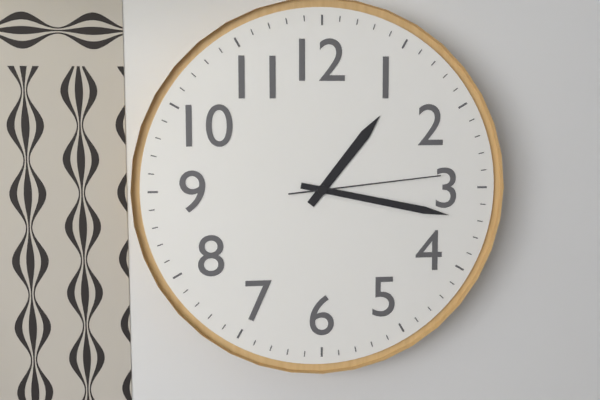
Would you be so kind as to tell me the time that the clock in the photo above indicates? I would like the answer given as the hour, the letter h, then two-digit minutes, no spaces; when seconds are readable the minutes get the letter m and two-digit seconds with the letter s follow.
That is 1h17m14s
